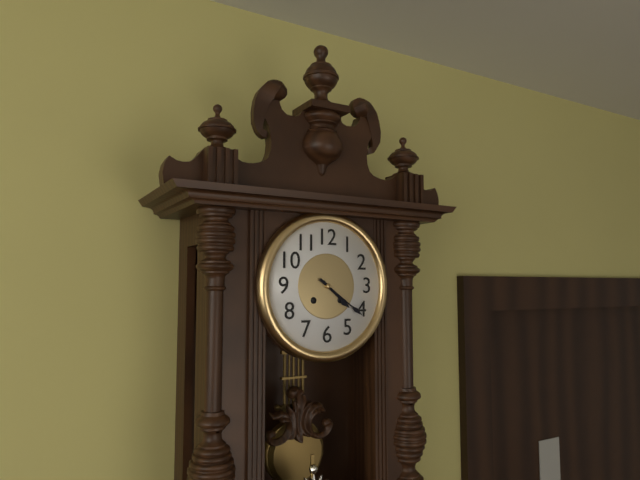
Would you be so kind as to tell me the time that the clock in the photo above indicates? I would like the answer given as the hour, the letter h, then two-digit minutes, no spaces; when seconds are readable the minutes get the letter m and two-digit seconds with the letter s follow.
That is 4h21
